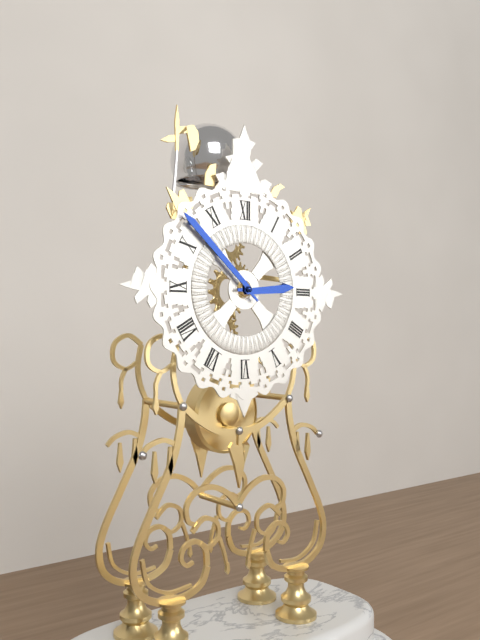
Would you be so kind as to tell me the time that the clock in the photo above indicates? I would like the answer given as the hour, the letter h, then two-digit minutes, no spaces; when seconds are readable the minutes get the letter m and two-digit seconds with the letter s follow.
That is 2h52
